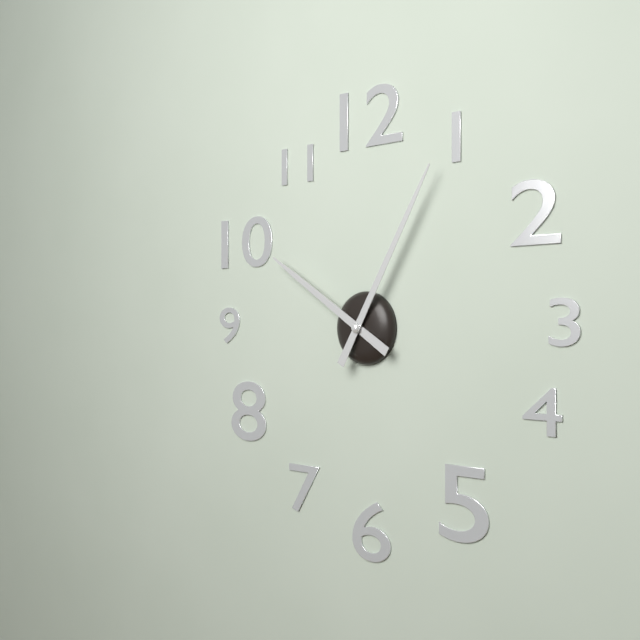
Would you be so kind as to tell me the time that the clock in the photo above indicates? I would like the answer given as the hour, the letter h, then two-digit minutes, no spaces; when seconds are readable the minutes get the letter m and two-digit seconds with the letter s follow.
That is 10h05
